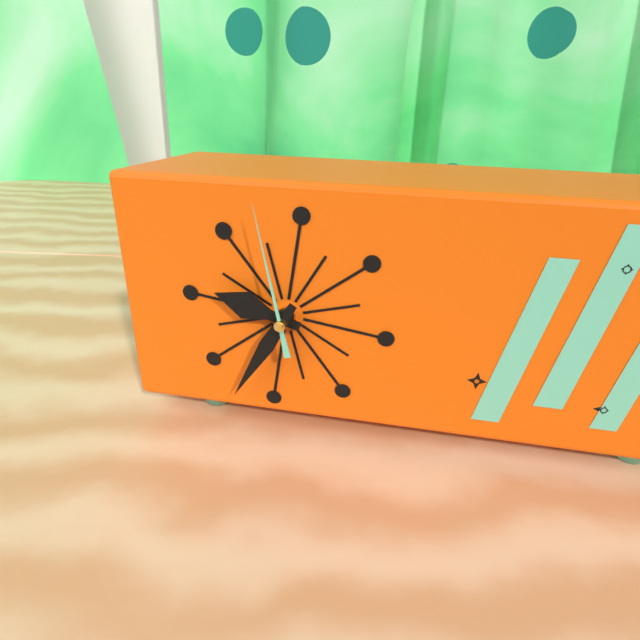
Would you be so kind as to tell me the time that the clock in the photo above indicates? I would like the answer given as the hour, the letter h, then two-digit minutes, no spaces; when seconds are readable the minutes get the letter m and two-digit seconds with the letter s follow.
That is 9h35m58s
